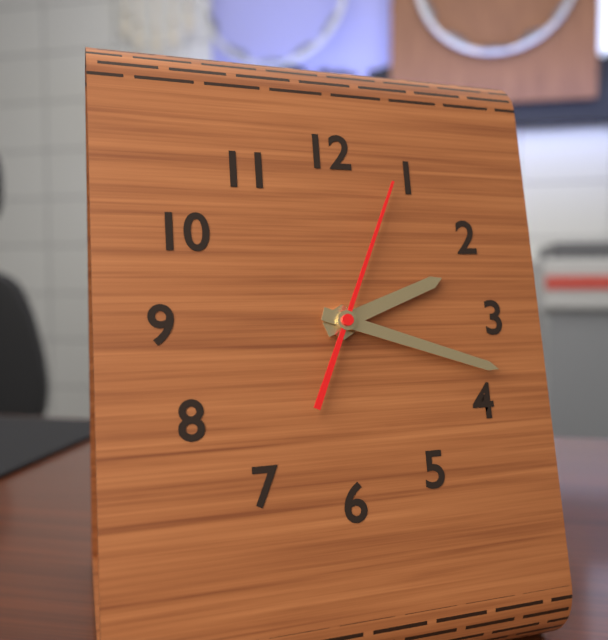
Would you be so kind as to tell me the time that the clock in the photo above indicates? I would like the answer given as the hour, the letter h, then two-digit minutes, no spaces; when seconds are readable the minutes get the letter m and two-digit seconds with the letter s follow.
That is 2h18m04s
